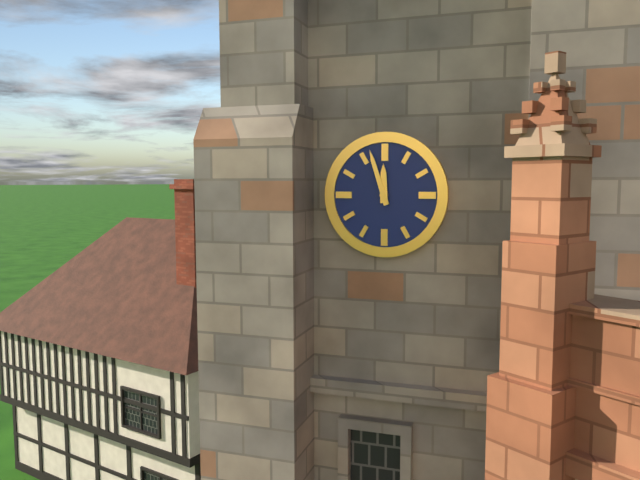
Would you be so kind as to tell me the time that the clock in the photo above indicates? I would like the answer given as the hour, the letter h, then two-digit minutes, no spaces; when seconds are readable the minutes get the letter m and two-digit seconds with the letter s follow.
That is 11h57
